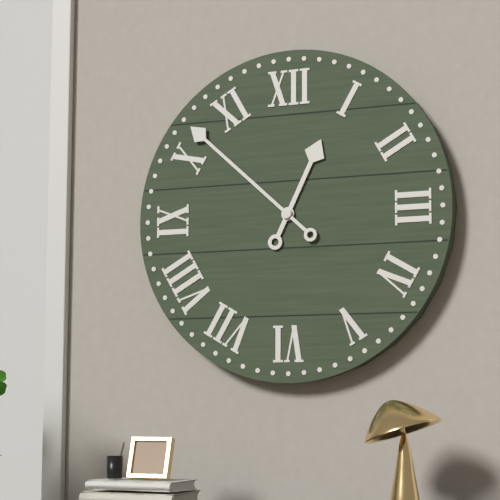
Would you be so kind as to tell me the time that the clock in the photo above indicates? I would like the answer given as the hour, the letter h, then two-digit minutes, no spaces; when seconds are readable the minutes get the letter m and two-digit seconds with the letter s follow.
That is 12h52
